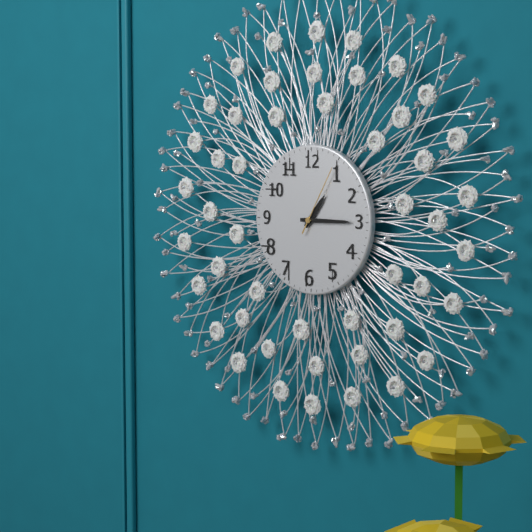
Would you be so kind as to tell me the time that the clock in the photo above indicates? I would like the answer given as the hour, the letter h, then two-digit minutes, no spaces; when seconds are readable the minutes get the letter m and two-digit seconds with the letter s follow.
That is 1h15m05s
